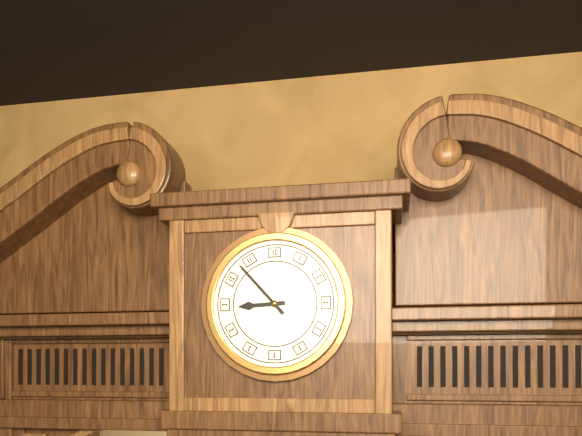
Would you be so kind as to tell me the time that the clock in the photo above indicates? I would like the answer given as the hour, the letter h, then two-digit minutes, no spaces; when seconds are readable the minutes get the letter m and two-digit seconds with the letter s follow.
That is 8h53
